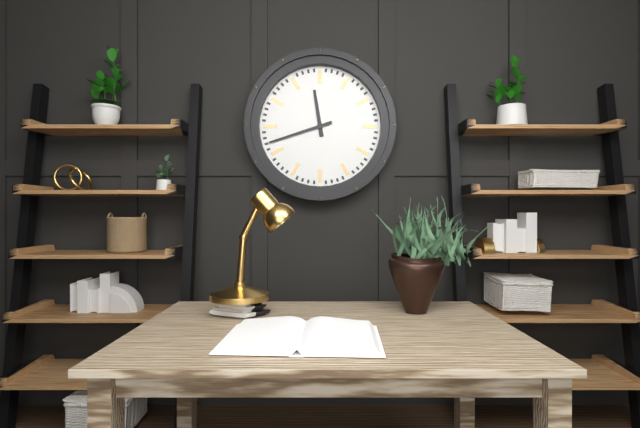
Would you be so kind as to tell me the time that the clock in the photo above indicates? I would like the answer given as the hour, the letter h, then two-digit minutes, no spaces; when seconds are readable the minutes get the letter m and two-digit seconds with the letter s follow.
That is 11h42
